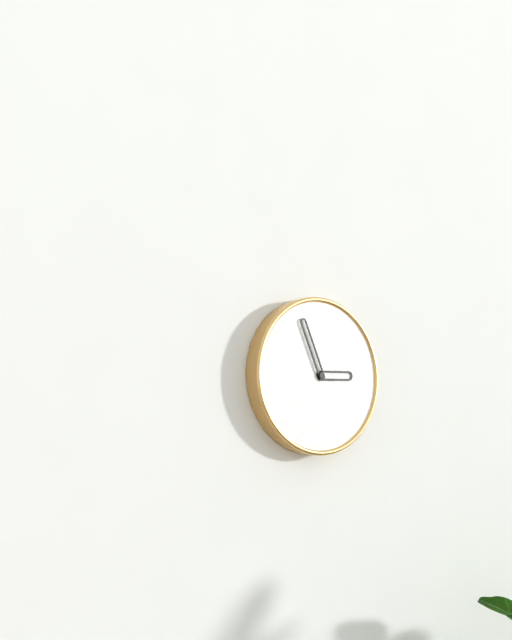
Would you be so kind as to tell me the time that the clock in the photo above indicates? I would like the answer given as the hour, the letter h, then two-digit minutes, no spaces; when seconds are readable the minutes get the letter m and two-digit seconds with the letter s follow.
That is 2h56
